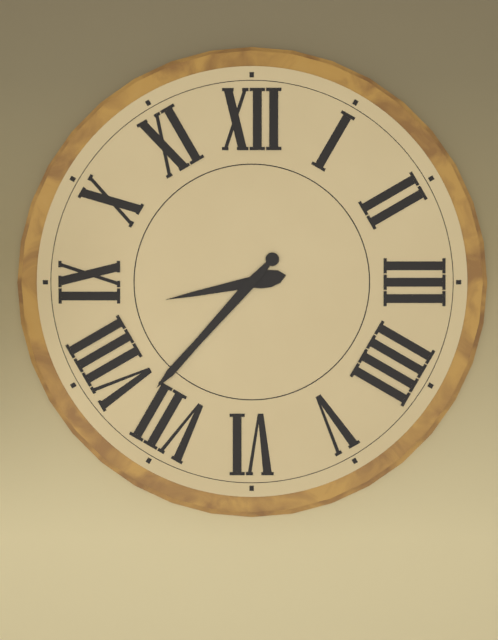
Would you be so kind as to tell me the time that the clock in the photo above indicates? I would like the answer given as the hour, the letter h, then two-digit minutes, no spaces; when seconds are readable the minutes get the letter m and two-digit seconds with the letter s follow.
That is 8h37
